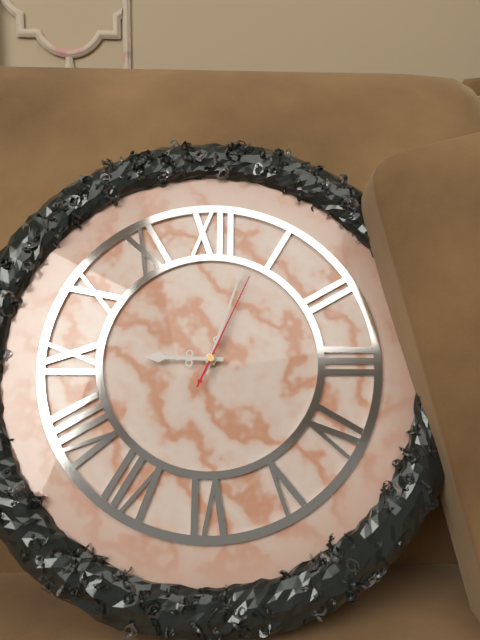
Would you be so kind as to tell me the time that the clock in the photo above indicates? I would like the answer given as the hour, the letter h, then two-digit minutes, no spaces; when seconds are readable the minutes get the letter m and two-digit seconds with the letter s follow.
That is 9h03m04s
